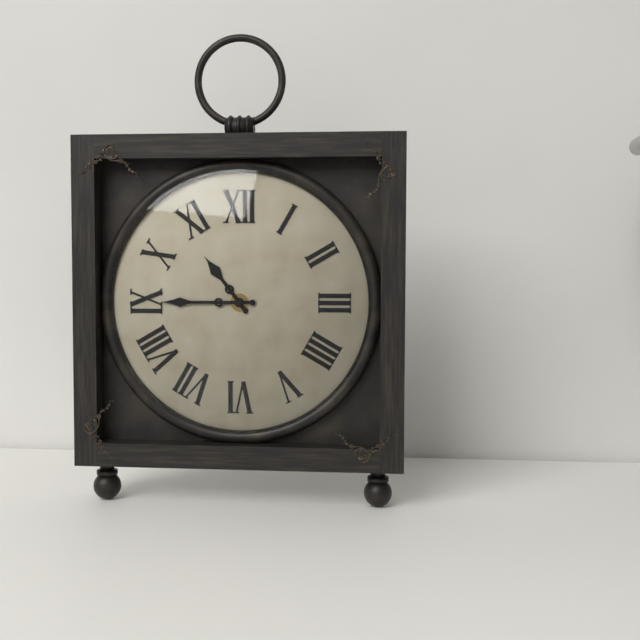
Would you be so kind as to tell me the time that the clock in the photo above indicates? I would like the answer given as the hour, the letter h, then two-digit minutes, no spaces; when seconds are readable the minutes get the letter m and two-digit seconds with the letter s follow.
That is 10h45
